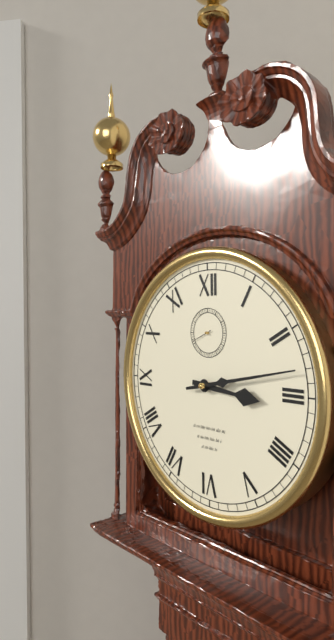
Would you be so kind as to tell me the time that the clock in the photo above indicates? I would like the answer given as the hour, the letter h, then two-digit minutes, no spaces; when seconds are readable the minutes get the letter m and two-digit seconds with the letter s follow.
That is 3h13
